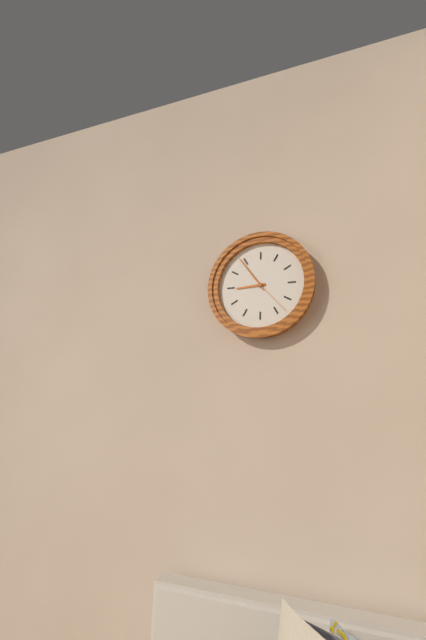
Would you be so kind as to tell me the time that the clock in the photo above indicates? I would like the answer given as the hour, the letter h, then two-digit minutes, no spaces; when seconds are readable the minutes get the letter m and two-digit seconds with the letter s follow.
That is 8h54
